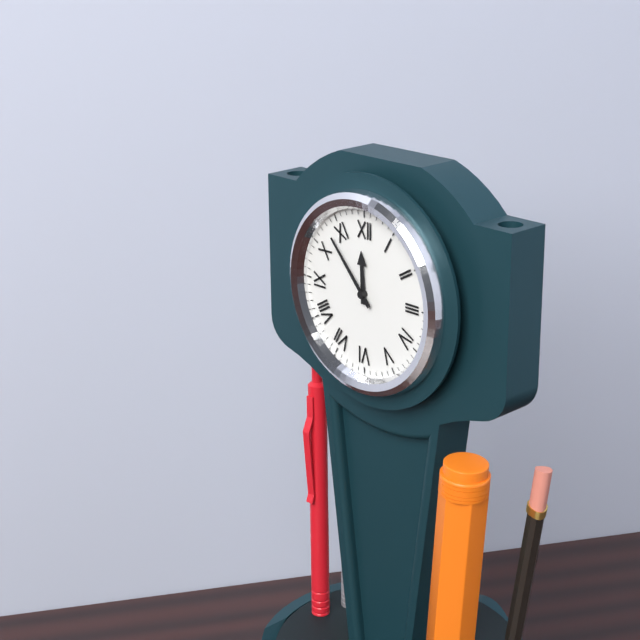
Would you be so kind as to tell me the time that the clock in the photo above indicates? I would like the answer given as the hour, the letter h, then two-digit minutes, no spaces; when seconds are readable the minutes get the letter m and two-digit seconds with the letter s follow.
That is 11h53
